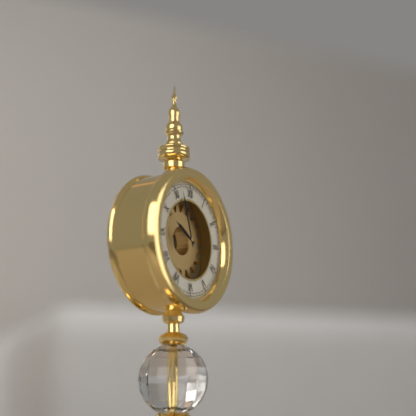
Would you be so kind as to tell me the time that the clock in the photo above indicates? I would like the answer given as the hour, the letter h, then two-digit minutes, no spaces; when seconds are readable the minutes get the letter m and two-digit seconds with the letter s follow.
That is 9h57
